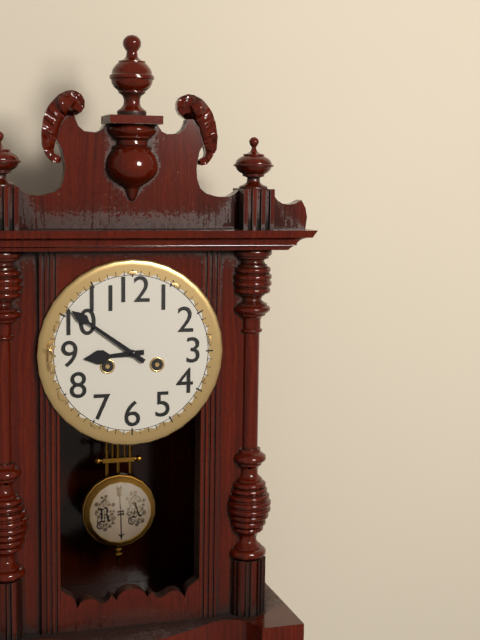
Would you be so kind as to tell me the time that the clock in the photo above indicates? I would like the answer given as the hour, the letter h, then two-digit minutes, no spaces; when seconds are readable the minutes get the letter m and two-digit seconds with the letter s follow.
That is 8h51
